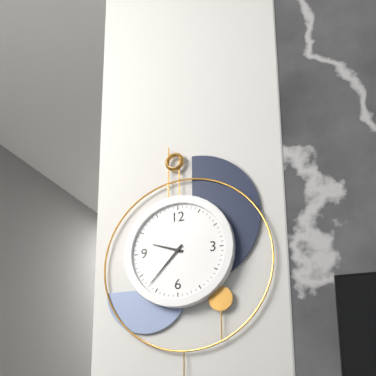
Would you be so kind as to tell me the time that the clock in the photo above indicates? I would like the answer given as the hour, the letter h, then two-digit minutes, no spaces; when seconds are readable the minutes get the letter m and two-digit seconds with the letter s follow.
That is 9h37
